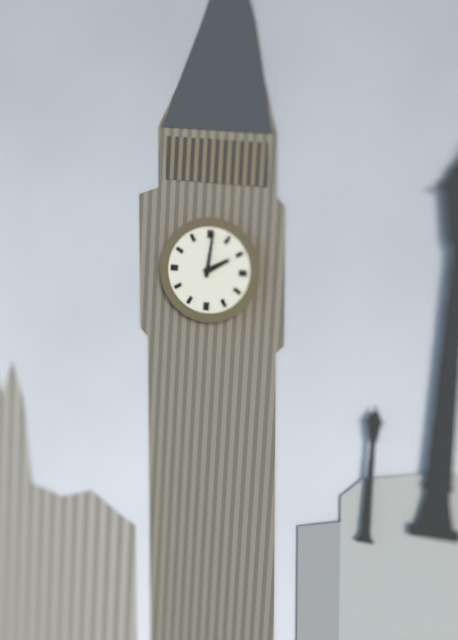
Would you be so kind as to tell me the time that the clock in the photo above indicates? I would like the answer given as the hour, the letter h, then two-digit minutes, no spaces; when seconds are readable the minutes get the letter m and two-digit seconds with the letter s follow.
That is 2h01
